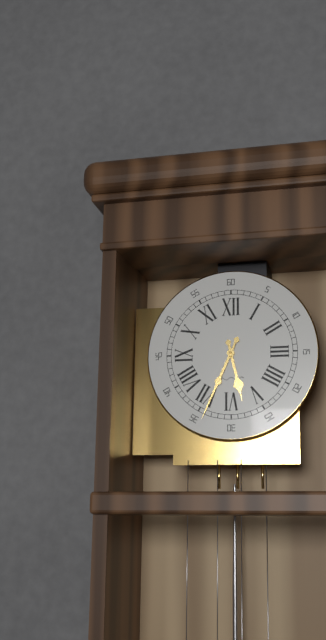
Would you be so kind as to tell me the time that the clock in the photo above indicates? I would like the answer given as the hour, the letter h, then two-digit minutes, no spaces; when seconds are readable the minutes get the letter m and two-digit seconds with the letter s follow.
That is 5h34
